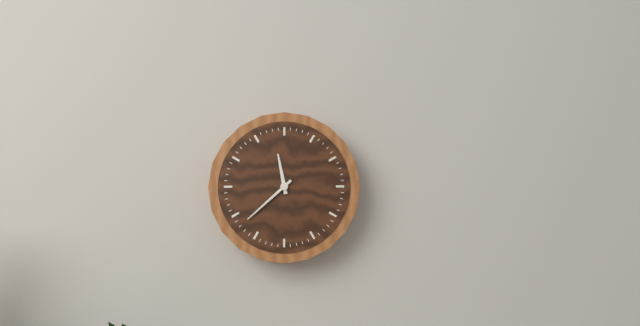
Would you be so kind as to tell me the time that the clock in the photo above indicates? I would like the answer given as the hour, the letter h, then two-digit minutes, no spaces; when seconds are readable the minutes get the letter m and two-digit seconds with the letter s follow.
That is 11h38
